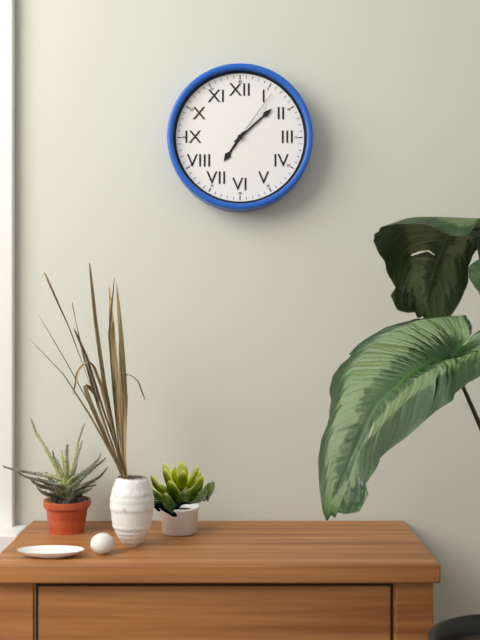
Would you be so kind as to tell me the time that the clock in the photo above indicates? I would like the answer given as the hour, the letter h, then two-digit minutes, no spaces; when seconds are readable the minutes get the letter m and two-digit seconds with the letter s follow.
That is 7h08m06s
